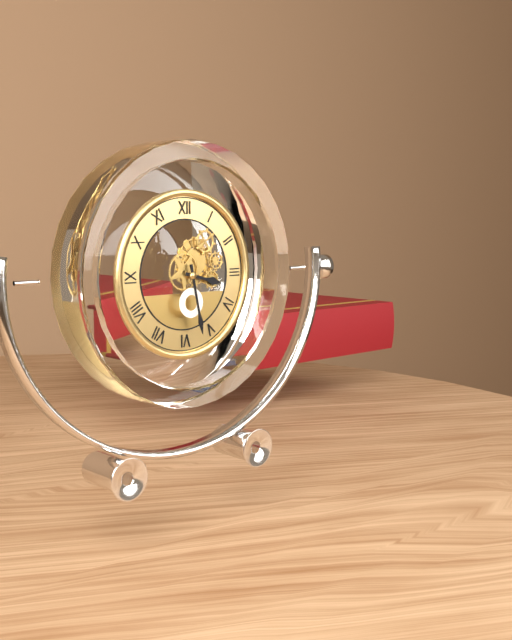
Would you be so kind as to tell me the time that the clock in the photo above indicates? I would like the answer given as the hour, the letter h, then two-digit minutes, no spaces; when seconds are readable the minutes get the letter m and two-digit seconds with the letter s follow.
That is 3h28
